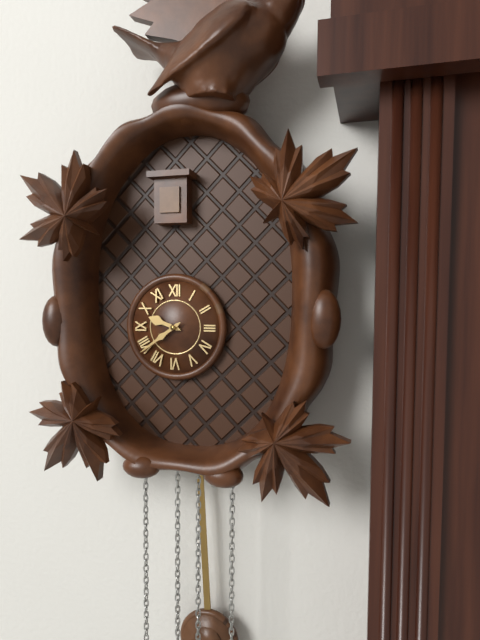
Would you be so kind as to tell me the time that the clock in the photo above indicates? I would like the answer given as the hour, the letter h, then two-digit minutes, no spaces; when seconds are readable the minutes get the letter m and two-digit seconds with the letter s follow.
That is 9h39
